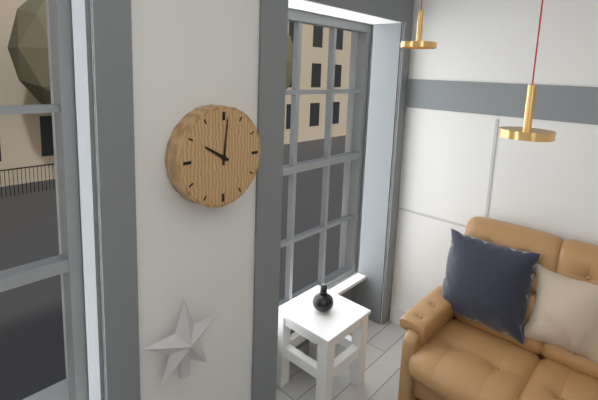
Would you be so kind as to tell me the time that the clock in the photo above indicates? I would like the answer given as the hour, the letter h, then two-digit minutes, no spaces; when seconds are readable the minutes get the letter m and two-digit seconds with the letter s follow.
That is 10h01
